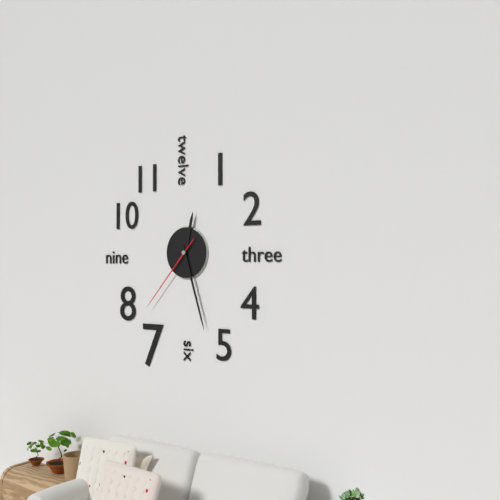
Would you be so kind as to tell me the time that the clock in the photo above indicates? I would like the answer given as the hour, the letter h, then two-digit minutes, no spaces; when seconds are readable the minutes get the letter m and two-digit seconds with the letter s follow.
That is 12h27m37s
